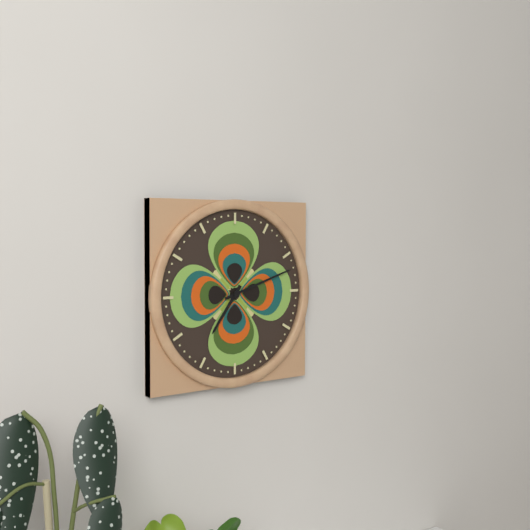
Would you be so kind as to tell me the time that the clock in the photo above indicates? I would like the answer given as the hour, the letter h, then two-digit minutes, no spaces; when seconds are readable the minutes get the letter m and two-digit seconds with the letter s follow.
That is 7h12
